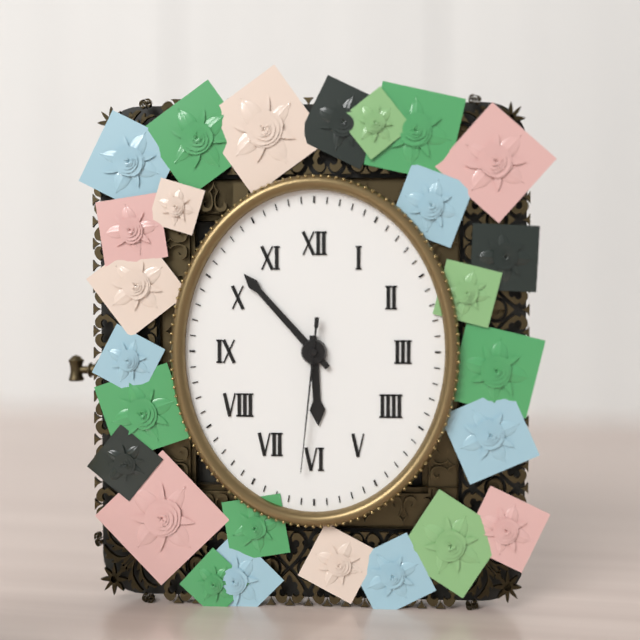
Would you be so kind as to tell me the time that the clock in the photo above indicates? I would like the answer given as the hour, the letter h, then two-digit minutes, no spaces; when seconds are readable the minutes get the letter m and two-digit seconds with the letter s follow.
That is 5h53m31s
